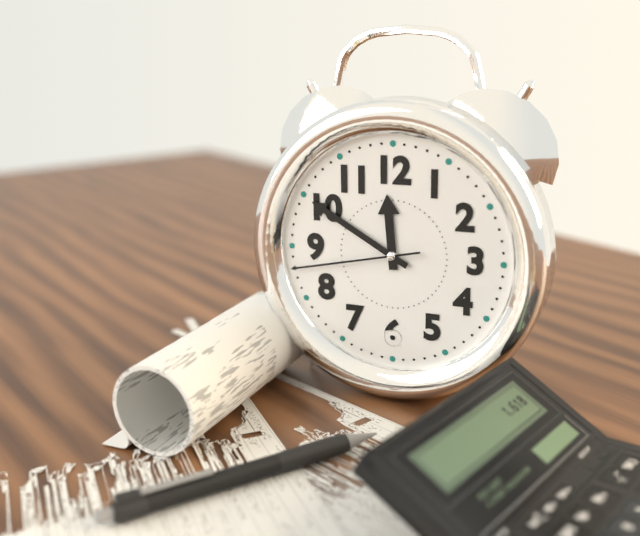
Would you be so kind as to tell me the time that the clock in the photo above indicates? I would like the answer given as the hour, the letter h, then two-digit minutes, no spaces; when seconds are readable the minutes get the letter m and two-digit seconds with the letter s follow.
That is 11h50m43s
